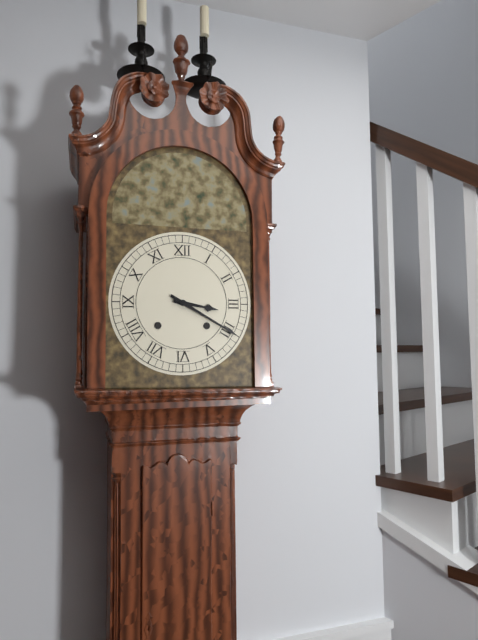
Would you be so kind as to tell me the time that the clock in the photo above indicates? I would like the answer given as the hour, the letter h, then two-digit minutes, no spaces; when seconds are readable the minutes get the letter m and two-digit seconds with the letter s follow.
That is 3h20
